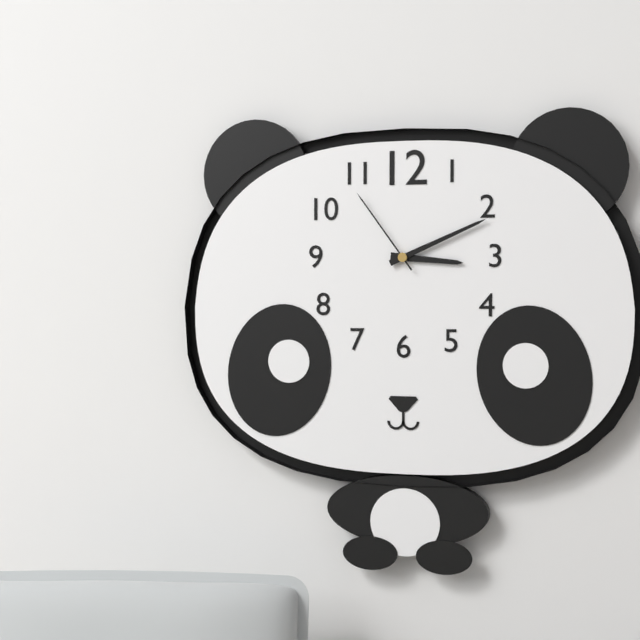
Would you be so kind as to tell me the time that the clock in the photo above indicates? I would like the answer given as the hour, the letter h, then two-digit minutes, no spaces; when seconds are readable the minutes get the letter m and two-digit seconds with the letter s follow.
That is 3h11m54s
